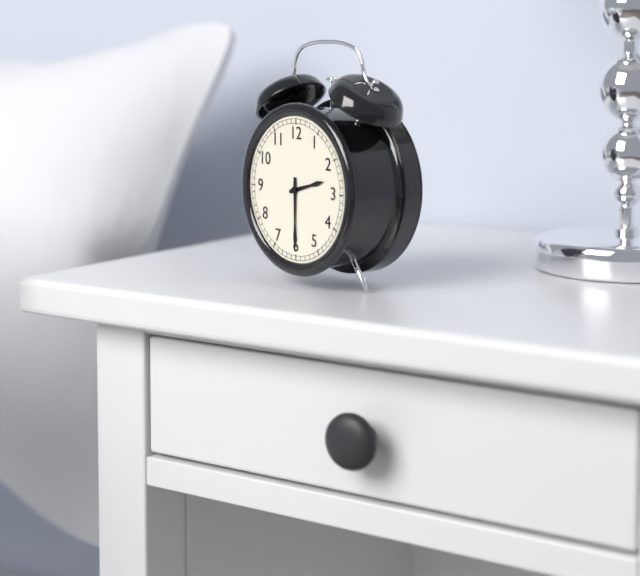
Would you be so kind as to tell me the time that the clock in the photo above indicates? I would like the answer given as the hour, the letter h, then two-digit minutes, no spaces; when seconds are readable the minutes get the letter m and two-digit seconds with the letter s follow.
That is 2h30
